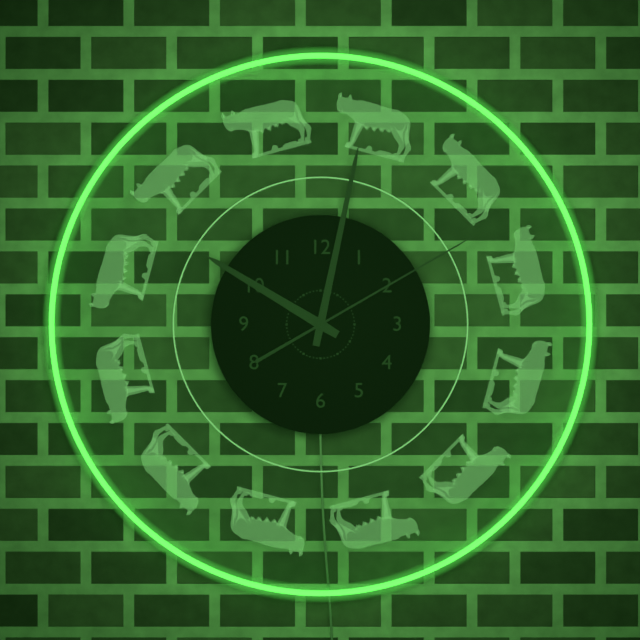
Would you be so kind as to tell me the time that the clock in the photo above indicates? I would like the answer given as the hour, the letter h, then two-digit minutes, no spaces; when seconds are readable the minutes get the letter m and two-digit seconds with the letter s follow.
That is 10h02m10s
